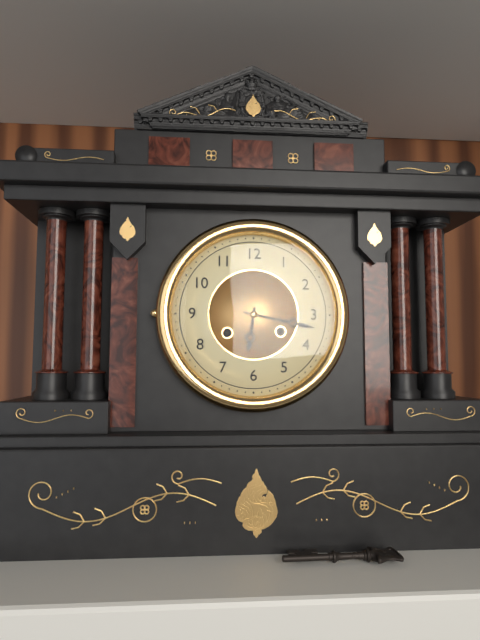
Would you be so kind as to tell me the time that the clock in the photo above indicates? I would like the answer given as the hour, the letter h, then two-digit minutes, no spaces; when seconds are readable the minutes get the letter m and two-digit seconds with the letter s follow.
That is 6h17
